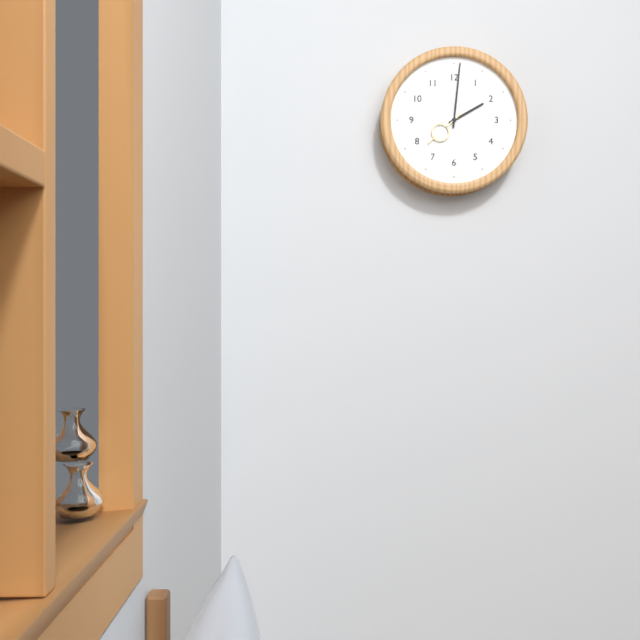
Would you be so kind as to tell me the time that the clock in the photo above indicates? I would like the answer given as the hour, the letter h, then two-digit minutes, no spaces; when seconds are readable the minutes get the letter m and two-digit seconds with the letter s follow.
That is 2h01
